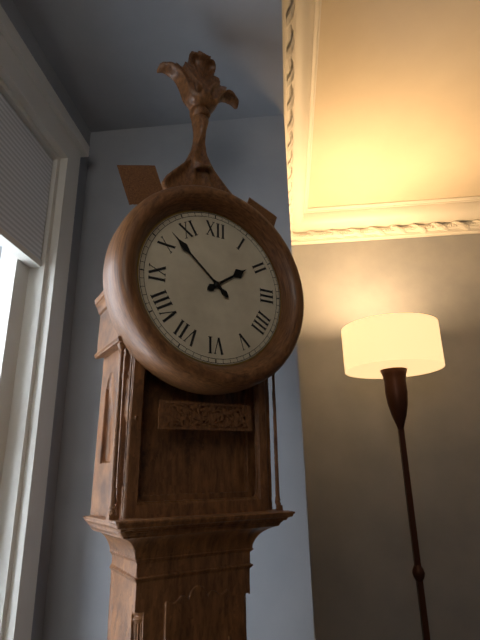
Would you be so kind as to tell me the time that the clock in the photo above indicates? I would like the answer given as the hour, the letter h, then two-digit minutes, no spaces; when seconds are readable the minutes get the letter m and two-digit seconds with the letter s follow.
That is 1h52
